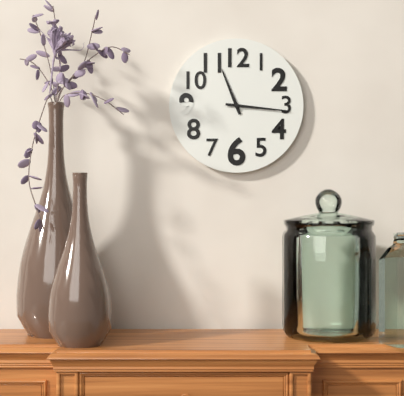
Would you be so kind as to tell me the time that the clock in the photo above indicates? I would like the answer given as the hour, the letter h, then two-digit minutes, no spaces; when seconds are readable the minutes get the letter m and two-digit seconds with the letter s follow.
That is 11h16
